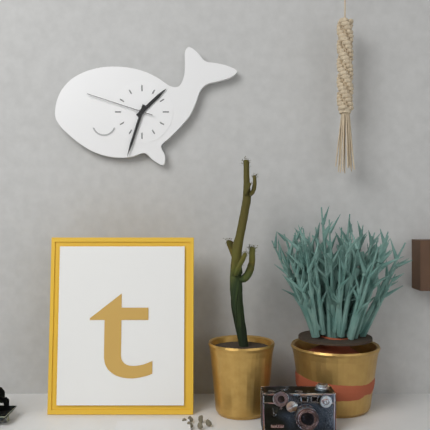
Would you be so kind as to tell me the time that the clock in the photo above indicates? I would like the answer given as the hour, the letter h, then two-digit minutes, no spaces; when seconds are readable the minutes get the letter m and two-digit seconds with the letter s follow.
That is 1h33m48s
